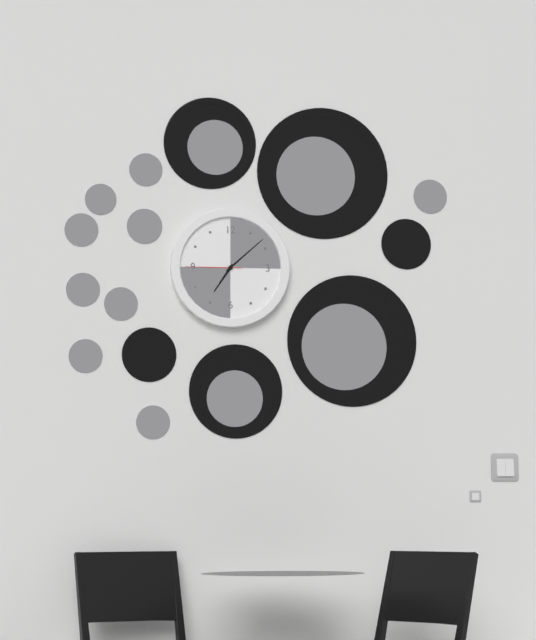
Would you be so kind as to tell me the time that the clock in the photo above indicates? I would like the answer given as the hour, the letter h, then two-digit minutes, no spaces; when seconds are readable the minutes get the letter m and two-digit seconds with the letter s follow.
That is 7h08m45s
